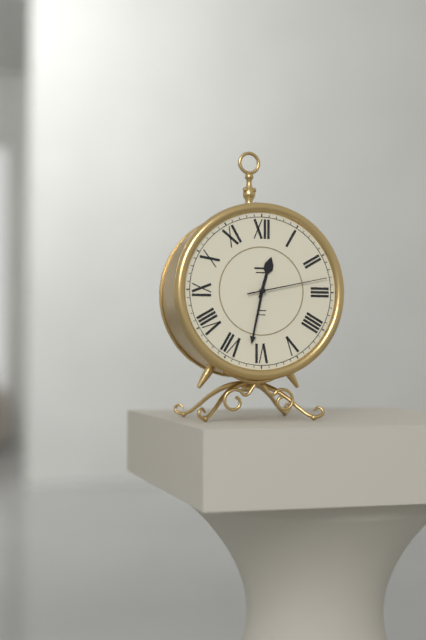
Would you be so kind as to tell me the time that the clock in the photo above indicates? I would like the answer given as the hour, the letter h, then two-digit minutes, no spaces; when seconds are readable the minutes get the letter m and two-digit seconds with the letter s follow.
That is 12h32m13s
